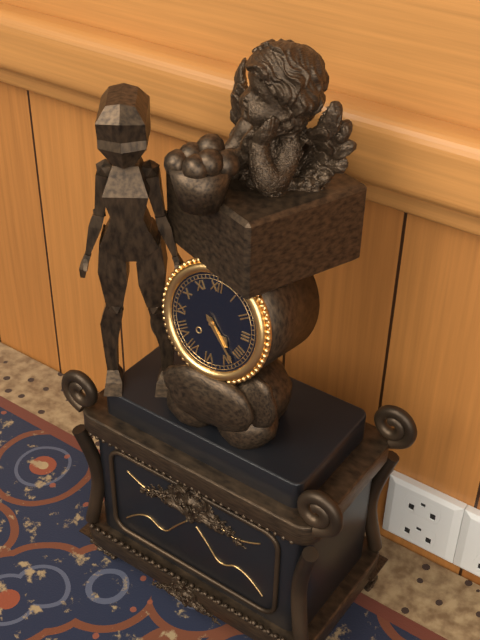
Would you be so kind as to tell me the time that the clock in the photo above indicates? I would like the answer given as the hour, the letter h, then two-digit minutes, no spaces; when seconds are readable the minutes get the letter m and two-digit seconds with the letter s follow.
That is 4h23
